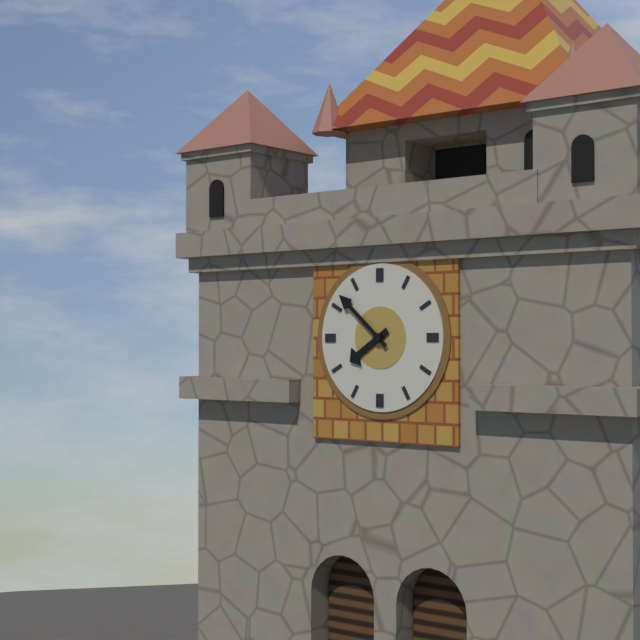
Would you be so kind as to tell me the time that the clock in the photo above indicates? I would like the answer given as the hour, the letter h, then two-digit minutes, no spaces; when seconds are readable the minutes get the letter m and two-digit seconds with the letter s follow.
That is 7h52
